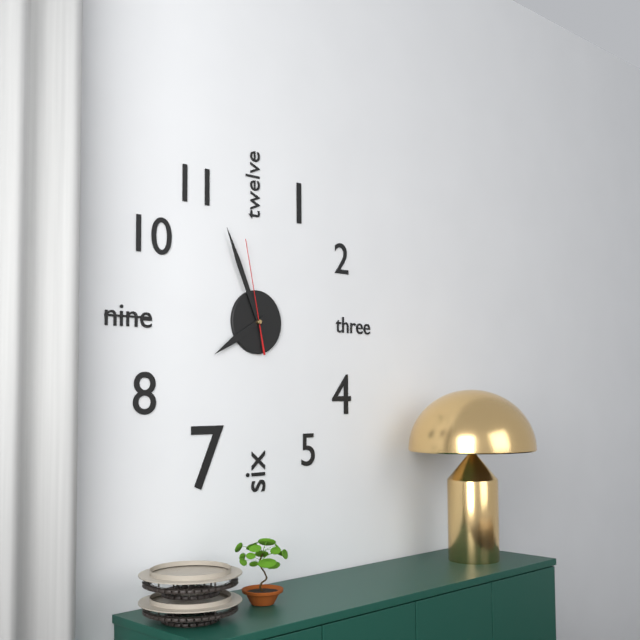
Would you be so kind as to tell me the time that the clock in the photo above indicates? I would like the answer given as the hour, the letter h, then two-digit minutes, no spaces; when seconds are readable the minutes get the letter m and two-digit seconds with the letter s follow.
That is 7h56m58s
